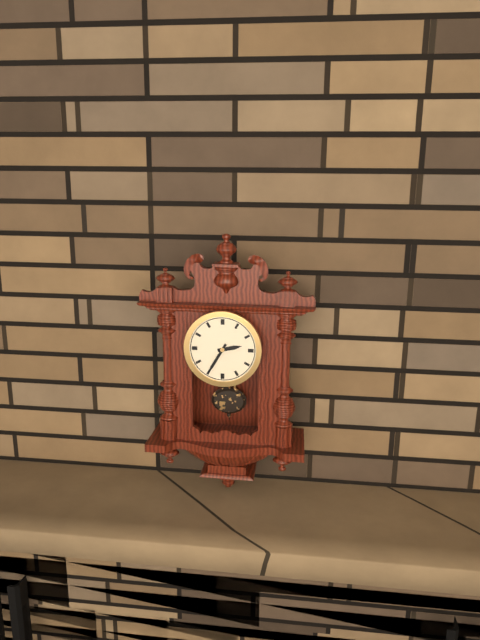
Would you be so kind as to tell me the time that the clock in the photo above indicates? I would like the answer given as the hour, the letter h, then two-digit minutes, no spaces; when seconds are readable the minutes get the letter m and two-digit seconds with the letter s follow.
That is 2h35
